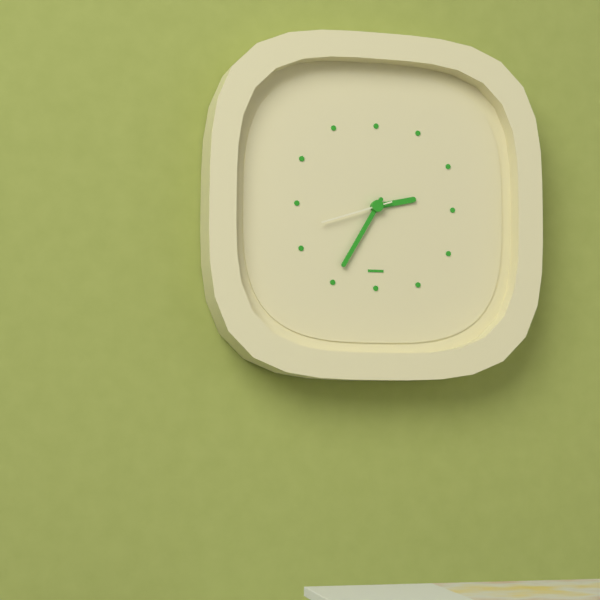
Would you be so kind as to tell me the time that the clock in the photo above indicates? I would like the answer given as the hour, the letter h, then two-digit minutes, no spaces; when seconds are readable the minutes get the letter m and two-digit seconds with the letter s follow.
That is 2h35m42s
